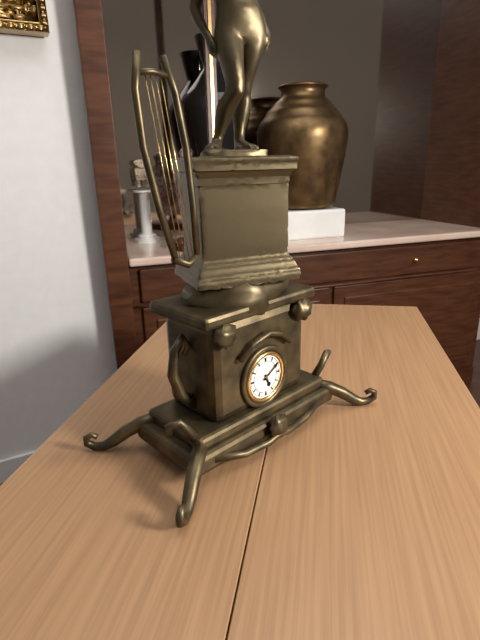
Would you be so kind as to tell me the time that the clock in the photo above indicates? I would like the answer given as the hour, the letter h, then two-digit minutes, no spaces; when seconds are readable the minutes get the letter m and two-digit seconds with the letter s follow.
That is 5h10
